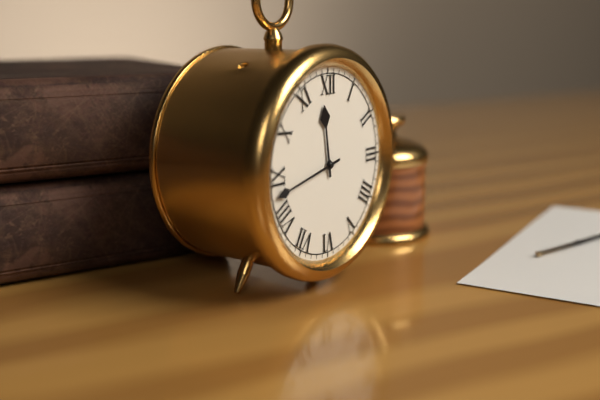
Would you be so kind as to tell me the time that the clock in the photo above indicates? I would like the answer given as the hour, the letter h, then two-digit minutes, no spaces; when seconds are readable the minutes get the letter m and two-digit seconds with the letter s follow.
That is 11h43
